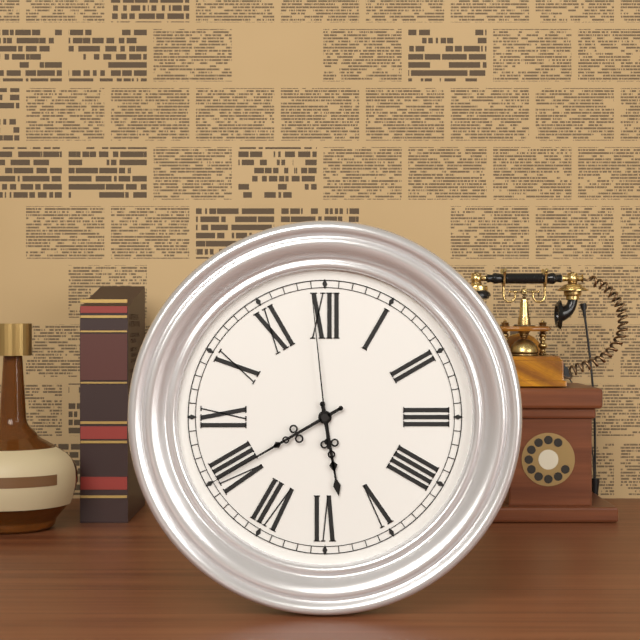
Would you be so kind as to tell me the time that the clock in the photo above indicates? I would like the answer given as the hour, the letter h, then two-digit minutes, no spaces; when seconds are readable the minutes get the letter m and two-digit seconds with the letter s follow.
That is 5h40m59s
